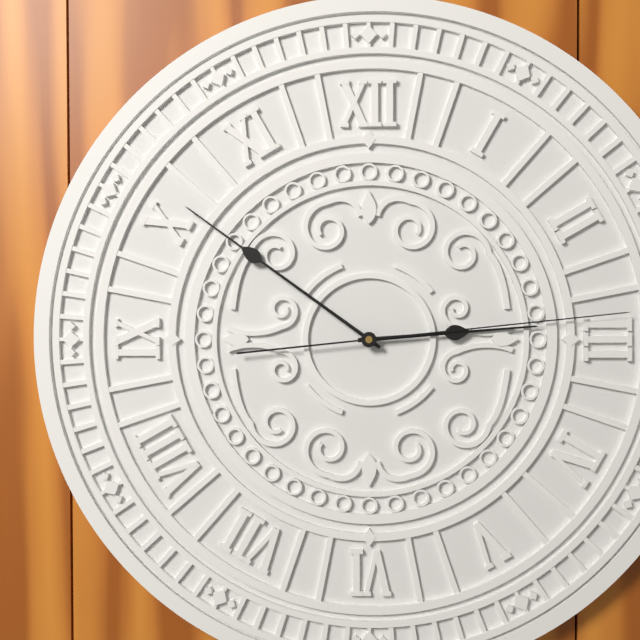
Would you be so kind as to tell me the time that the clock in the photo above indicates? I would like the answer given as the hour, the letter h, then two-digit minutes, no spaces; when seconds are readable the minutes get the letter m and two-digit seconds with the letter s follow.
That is 2h51m14s
